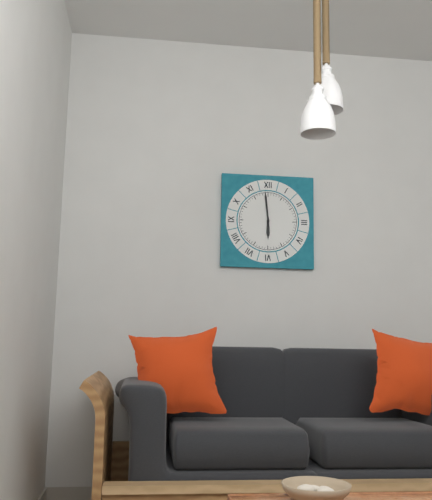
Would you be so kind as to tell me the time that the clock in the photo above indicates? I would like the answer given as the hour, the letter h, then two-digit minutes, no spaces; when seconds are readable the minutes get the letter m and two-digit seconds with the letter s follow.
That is 5h59
